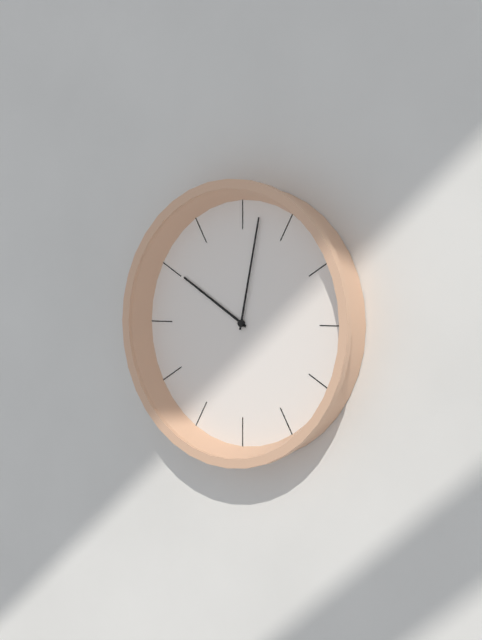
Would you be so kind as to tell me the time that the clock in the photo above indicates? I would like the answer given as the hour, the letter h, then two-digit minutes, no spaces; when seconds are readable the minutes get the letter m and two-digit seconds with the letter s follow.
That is 10h02
